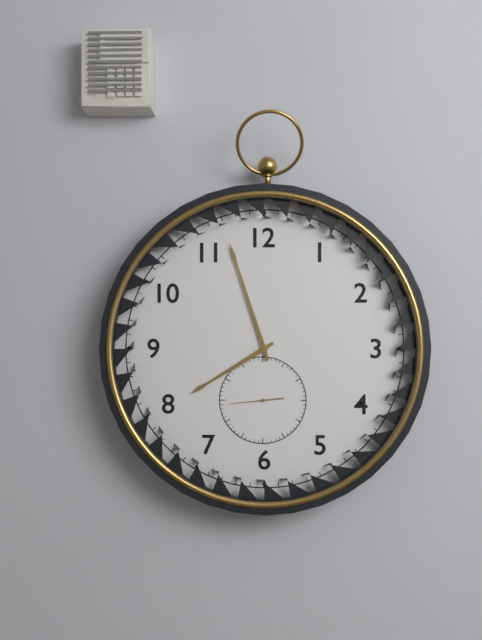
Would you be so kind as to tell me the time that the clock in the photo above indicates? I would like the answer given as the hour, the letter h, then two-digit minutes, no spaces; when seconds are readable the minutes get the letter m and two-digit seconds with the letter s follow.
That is 7h57
